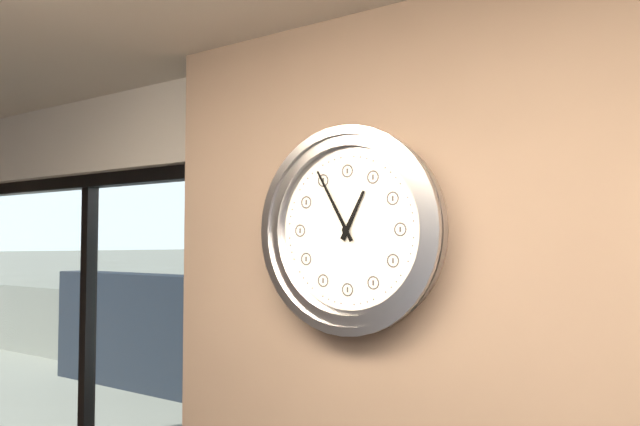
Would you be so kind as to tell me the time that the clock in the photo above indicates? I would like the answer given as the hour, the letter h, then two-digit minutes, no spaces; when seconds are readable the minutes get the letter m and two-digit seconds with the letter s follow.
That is 12h55
